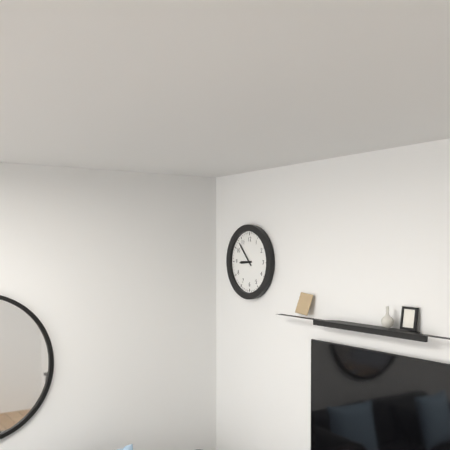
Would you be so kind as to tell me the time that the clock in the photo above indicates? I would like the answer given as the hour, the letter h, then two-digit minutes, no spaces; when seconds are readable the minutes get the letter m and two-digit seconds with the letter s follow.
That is 8h53
